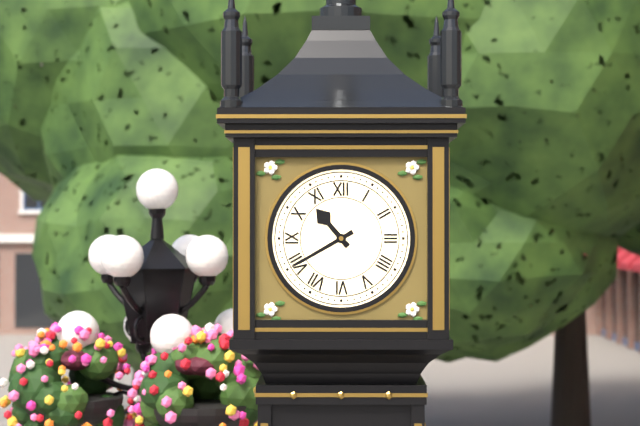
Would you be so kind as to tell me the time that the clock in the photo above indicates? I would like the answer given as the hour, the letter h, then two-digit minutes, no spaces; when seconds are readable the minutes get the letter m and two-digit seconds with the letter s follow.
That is 10h40
